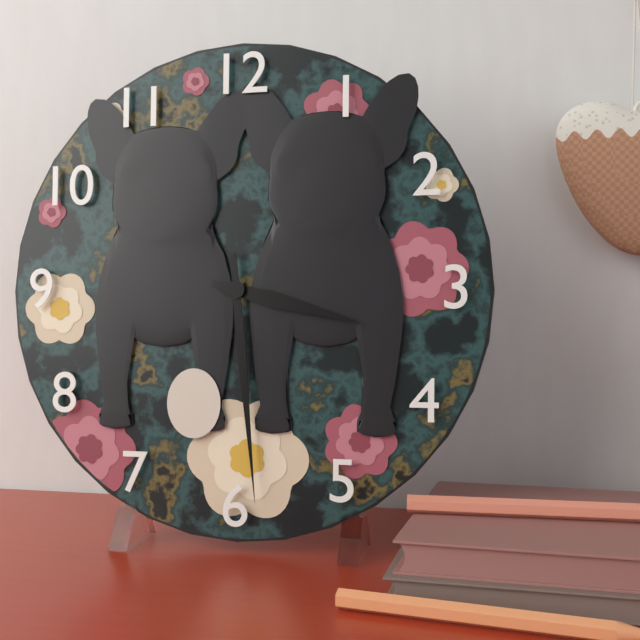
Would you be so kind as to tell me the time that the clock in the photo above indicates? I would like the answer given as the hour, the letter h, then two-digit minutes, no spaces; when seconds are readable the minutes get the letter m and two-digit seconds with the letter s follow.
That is 3h29
